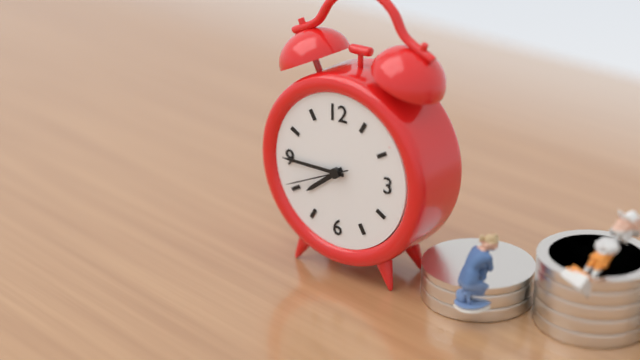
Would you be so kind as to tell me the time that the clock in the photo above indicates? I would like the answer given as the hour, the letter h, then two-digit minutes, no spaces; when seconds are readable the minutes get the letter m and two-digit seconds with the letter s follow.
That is 7h45m41s
